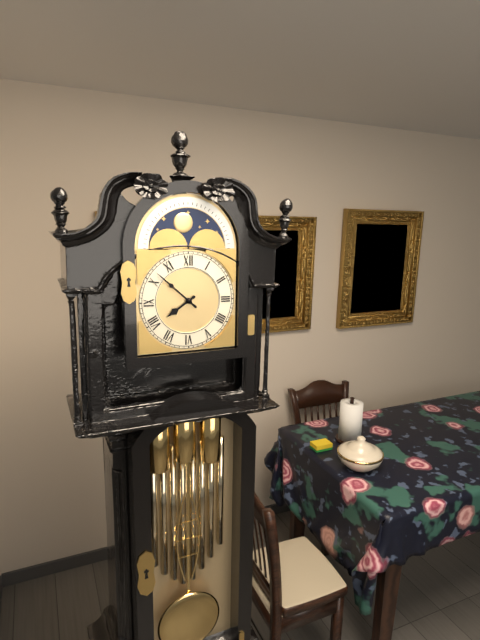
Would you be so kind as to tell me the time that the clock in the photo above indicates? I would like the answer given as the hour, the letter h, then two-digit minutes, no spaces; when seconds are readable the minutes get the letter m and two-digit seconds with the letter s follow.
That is 7h52
